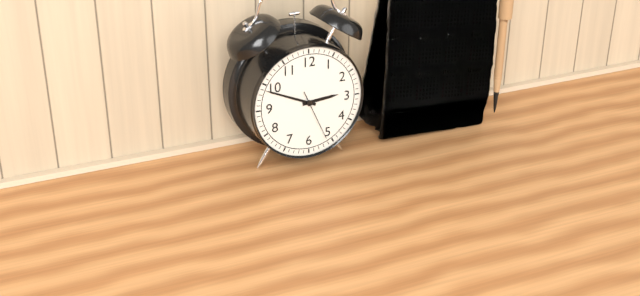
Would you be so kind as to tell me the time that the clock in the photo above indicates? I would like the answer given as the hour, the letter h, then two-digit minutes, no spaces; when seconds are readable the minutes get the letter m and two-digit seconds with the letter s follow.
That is 2h49m26s
